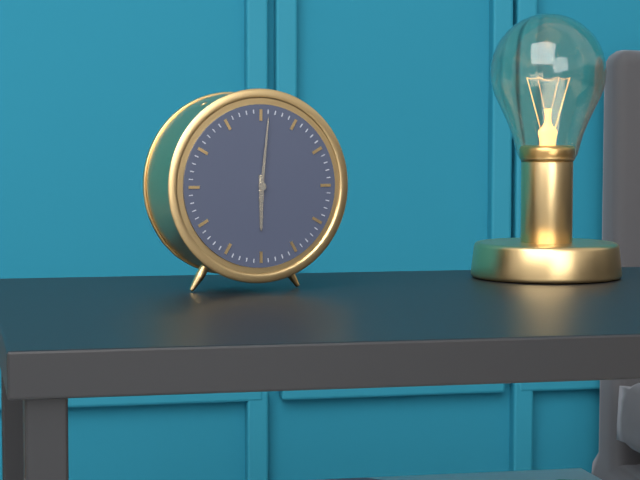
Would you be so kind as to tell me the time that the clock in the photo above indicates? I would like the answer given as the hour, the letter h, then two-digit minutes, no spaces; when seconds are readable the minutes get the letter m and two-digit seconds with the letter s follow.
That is 6h01
